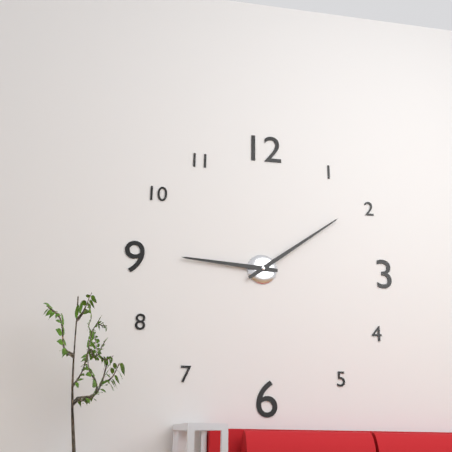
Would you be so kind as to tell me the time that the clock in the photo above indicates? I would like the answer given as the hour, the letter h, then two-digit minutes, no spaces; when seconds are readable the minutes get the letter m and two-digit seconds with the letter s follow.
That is 9h09
